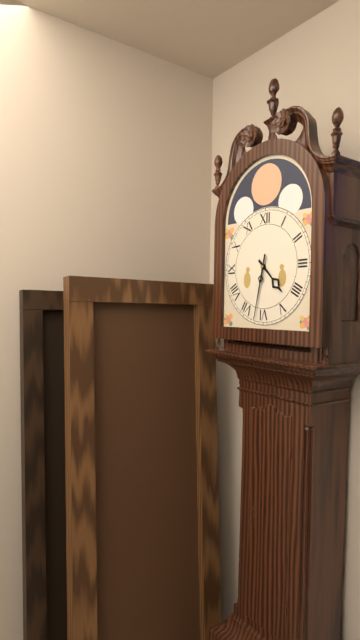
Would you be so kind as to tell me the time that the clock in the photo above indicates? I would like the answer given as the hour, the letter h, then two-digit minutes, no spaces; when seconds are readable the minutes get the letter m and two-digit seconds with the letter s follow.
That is 4h32
